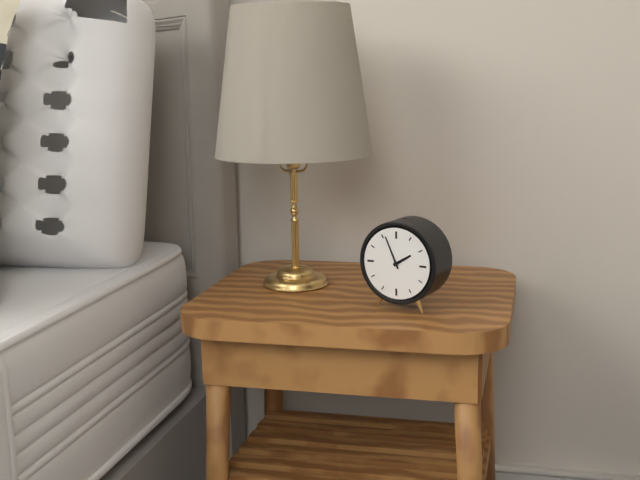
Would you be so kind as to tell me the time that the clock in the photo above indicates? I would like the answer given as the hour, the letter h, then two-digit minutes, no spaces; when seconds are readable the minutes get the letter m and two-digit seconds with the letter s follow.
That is 1h56
